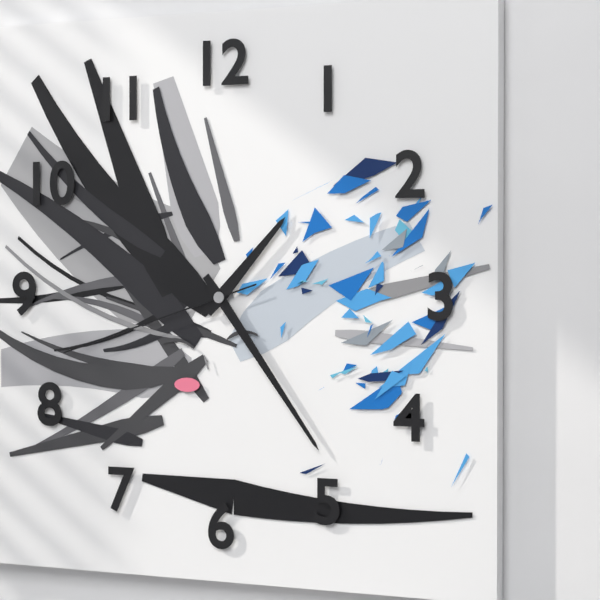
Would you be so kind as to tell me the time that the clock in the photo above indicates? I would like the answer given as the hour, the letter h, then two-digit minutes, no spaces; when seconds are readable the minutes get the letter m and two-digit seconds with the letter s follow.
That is 1h24m42s
